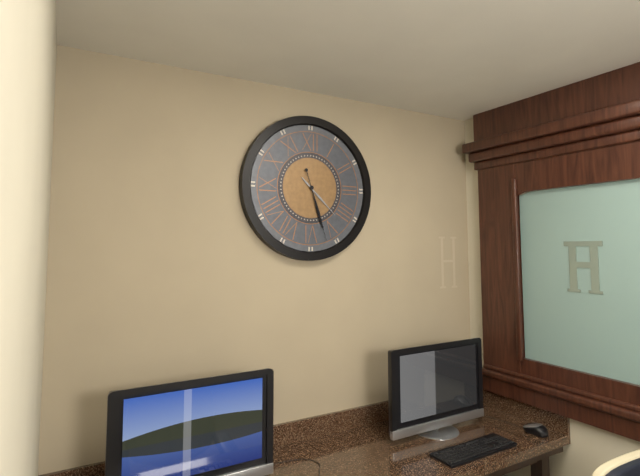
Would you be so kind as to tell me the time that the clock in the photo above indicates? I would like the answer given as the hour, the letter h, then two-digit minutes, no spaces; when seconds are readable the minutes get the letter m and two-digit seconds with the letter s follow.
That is 4h27
